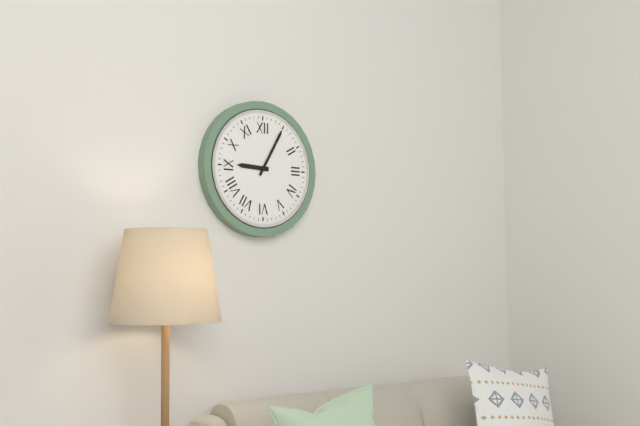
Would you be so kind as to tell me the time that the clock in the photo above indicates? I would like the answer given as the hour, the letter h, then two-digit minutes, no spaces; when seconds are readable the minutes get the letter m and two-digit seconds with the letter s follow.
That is 9h05
